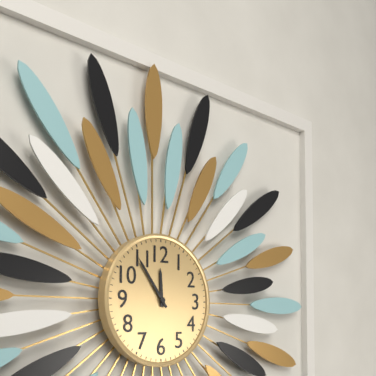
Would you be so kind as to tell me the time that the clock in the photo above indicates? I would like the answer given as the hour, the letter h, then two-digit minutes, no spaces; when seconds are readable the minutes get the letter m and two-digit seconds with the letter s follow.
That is 11h54
